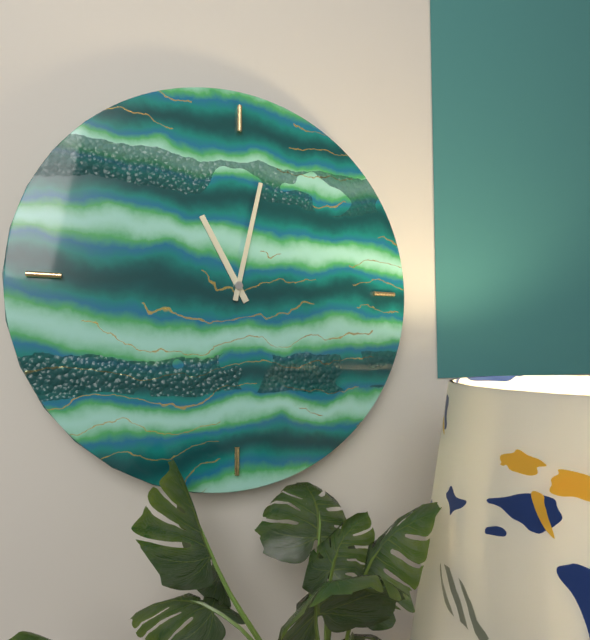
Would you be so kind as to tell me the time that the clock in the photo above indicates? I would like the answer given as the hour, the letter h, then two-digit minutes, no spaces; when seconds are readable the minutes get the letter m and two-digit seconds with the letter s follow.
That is 11h02
